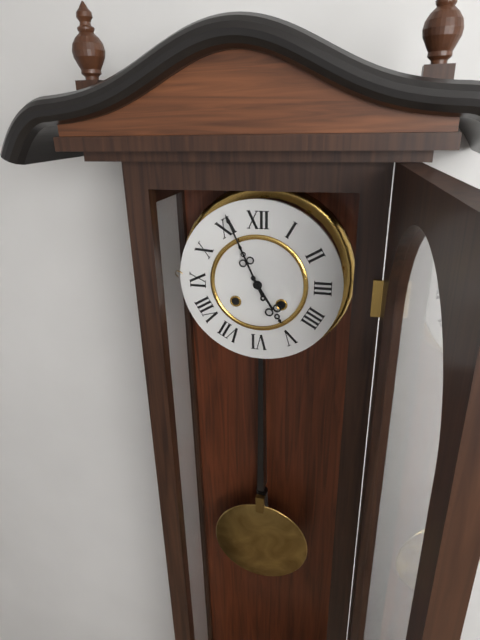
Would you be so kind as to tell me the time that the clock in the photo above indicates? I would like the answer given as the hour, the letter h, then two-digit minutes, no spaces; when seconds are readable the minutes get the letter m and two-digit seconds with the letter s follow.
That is 4h56
